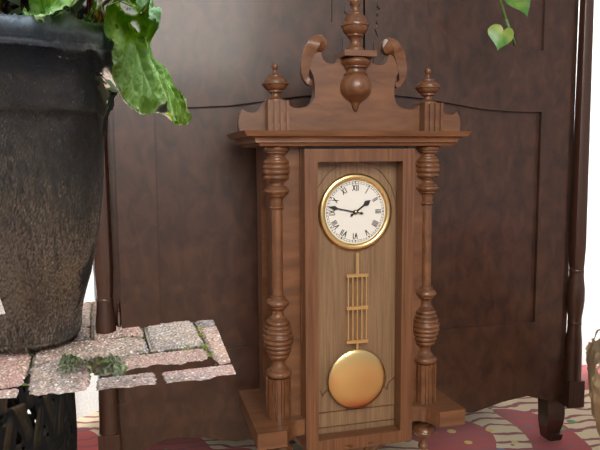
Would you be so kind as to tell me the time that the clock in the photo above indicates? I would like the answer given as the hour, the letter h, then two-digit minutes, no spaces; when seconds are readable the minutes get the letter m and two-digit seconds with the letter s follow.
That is 1h47
